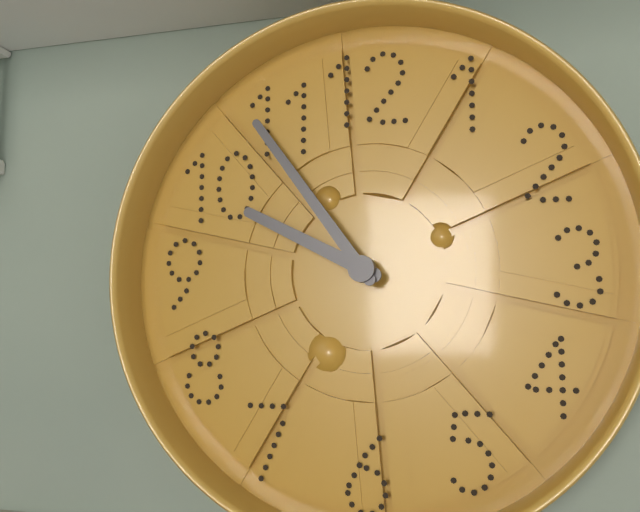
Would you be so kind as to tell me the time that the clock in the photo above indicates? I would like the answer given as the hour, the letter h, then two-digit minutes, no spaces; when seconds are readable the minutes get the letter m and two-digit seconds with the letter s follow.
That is 9h54
